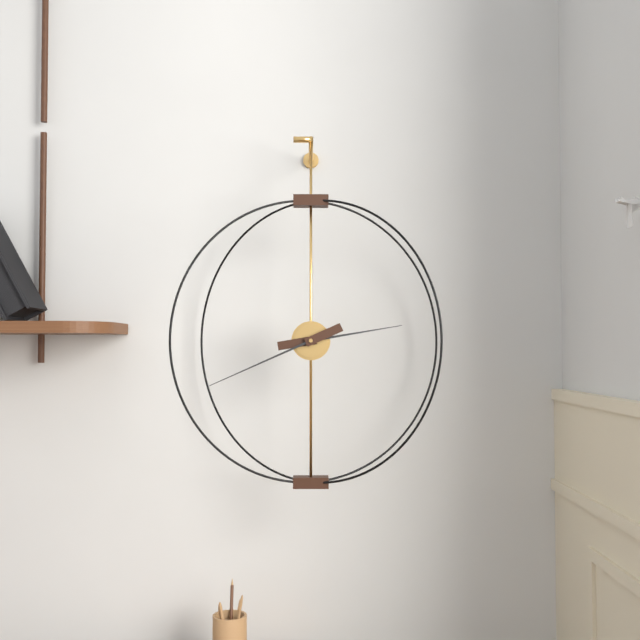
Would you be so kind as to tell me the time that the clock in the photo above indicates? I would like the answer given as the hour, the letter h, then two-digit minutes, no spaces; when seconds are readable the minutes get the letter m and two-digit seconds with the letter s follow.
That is 2h41
